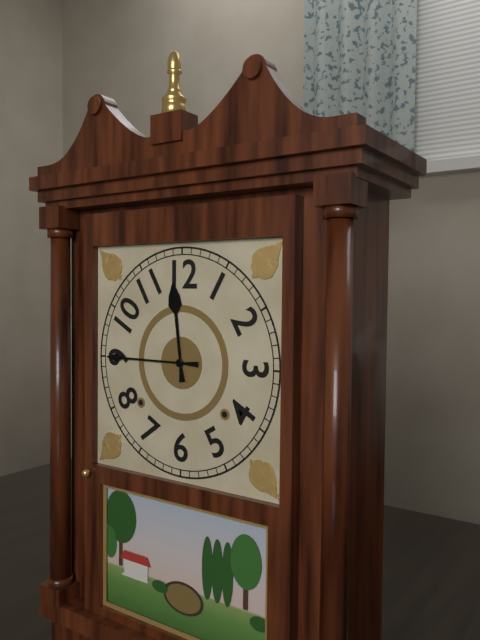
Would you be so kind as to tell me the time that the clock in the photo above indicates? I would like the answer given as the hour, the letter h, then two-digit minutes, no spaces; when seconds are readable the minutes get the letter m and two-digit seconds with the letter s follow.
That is 11h45
